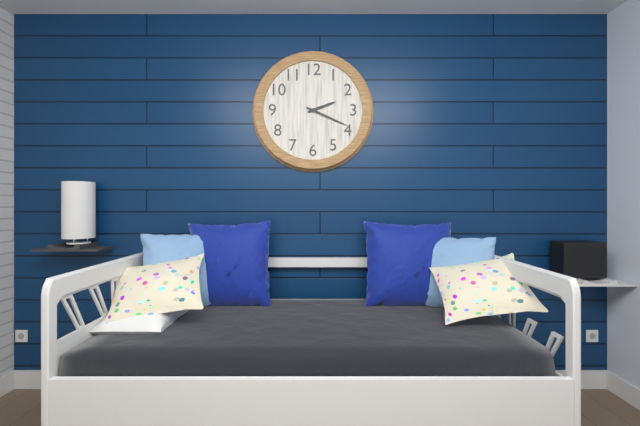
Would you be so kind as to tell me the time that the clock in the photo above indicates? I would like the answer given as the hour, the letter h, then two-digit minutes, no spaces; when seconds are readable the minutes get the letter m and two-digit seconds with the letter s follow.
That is 2h19
